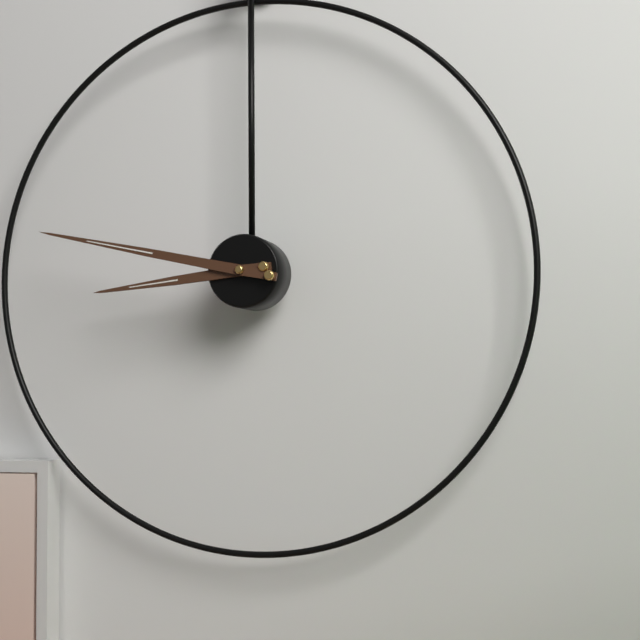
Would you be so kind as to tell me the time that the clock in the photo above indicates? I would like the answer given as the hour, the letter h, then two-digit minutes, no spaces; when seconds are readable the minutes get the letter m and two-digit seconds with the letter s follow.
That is 8h47
